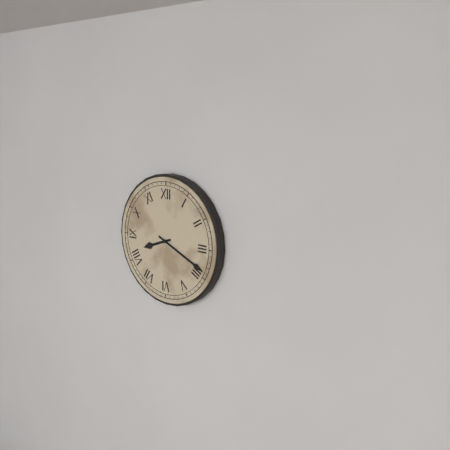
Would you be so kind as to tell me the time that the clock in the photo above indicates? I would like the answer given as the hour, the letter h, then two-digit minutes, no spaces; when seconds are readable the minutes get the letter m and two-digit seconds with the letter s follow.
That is 8h19
